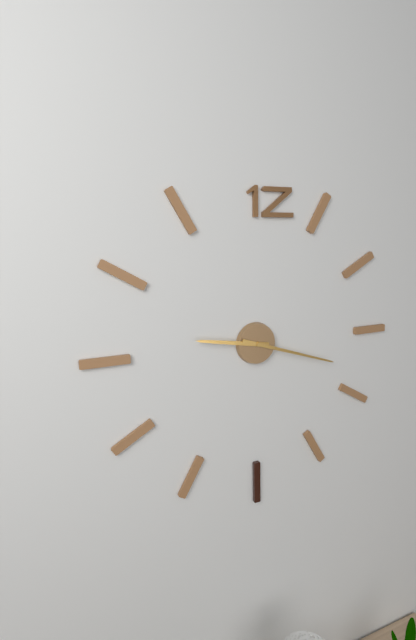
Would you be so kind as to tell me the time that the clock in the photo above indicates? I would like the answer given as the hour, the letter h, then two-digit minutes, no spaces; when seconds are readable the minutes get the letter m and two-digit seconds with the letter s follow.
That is 9h18
